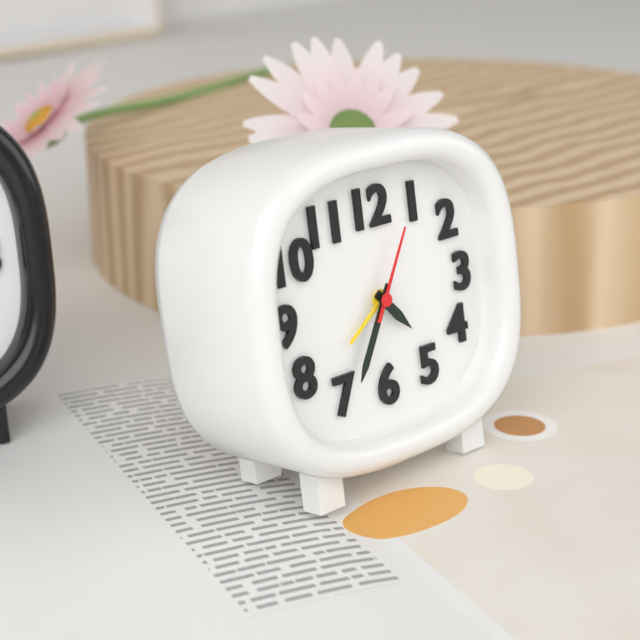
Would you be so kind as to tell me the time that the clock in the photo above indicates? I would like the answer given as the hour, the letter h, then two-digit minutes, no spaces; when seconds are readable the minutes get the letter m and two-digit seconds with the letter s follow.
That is 4h35m05s
